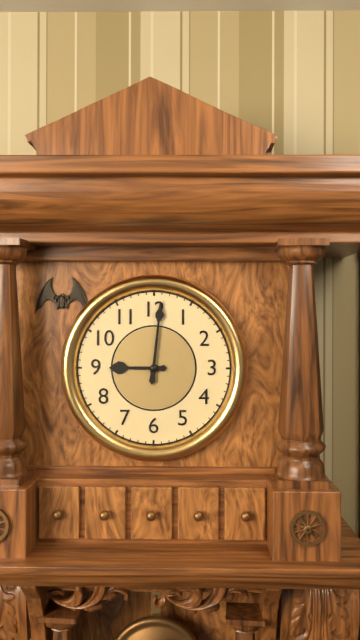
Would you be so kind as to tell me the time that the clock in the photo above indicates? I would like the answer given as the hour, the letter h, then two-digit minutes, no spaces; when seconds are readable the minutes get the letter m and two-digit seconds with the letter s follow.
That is 9h01
